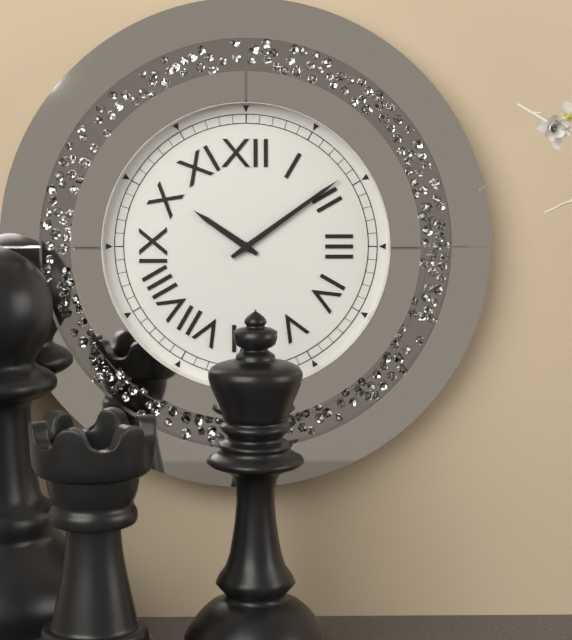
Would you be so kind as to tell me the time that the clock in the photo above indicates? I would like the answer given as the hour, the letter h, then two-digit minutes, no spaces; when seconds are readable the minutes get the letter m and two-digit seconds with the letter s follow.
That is 10h09
